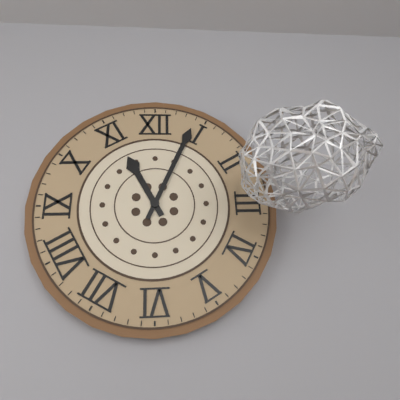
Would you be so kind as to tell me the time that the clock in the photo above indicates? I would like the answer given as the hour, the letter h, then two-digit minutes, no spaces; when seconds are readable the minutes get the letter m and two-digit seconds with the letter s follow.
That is 11h04
